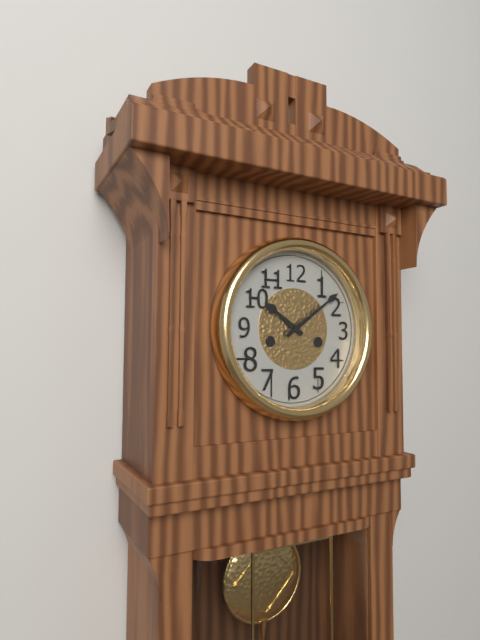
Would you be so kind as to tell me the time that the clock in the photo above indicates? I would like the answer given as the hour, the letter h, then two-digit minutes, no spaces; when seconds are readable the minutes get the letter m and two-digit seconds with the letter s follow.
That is 10h09
